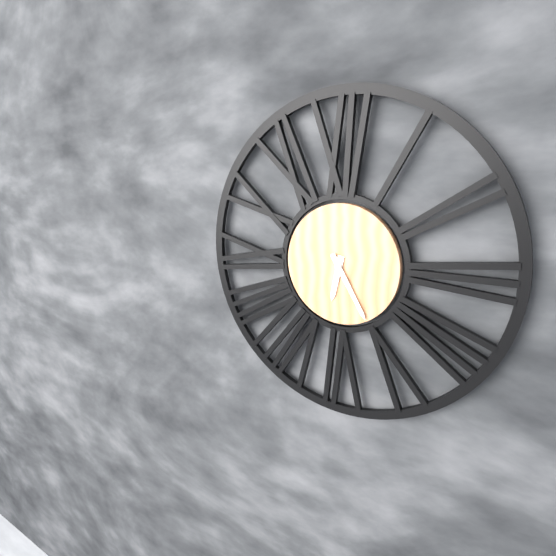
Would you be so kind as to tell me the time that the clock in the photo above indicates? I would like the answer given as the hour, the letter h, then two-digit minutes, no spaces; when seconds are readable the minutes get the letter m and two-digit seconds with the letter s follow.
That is 6h25
